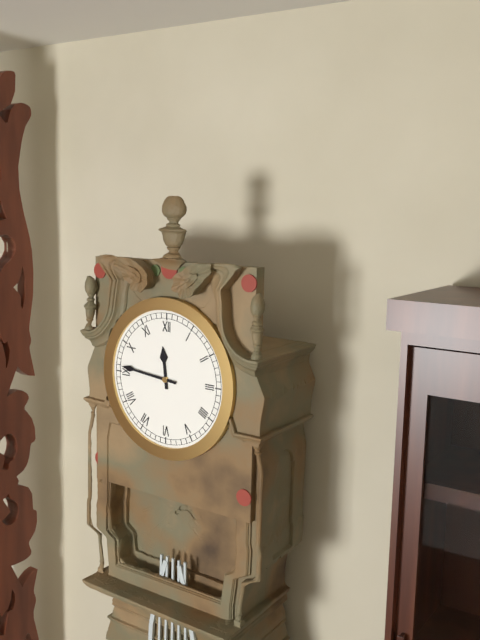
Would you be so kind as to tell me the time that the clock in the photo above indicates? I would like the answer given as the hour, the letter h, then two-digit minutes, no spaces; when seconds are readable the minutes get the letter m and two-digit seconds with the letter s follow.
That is 11h46
